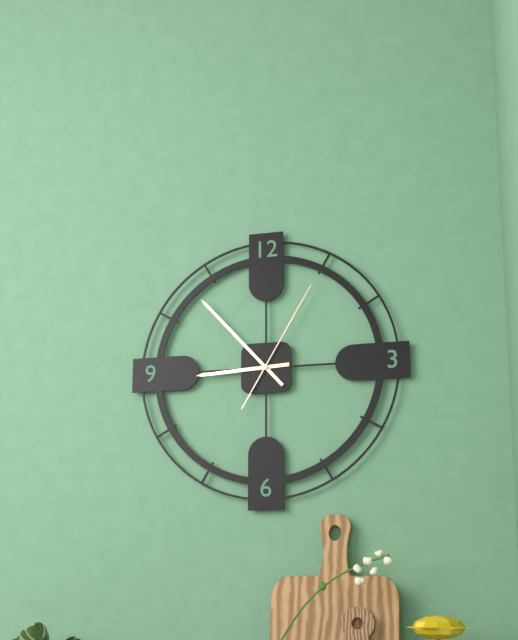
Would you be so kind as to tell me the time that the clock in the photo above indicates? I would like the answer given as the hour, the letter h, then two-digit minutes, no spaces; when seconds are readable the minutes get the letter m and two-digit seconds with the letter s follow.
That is 8h53m05s
